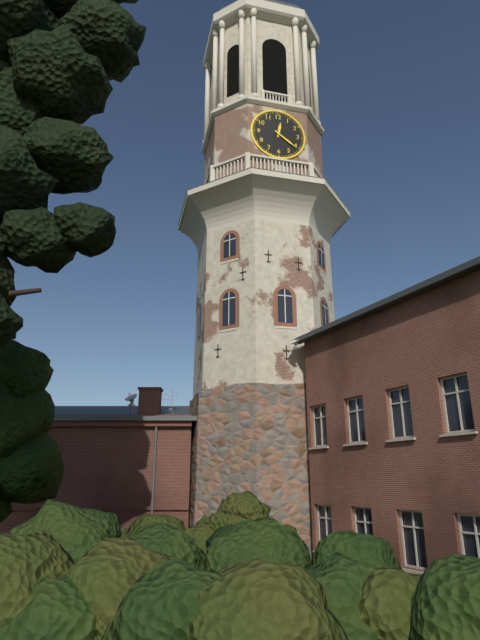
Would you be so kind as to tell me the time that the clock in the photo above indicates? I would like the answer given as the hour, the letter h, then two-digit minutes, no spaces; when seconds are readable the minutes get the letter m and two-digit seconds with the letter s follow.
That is 12h21
